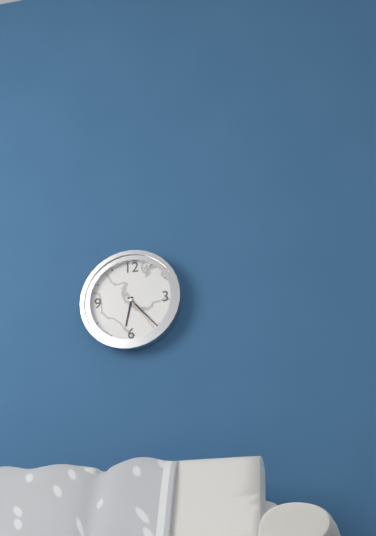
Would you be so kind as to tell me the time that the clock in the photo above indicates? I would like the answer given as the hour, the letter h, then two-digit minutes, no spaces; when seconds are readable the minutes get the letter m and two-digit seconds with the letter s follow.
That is 6h23m24s
